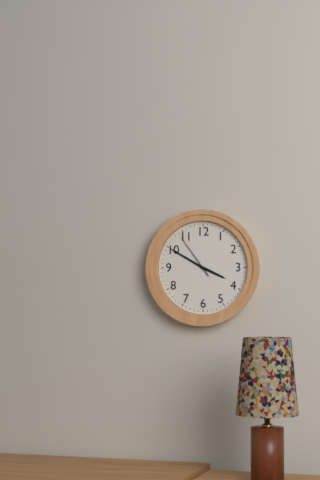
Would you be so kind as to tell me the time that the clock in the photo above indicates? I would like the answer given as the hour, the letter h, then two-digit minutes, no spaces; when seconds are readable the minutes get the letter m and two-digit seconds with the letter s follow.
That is 3h50
